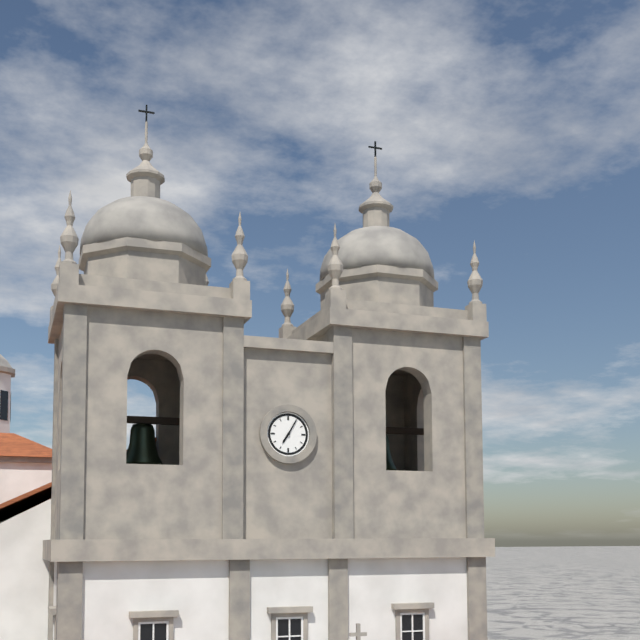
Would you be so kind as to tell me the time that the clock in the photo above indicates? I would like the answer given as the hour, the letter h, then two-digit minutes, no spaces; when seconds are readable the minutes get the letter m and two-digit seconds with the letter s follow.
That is 7h05
